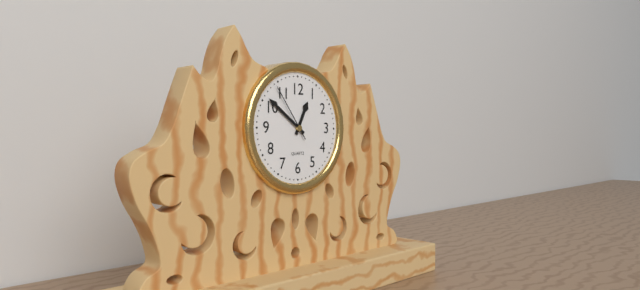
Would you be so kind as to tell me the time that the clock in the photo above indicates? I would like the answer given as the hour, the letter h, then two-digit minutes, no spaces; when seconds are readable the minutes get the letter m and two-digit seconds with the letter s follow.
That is 12h51m54s
